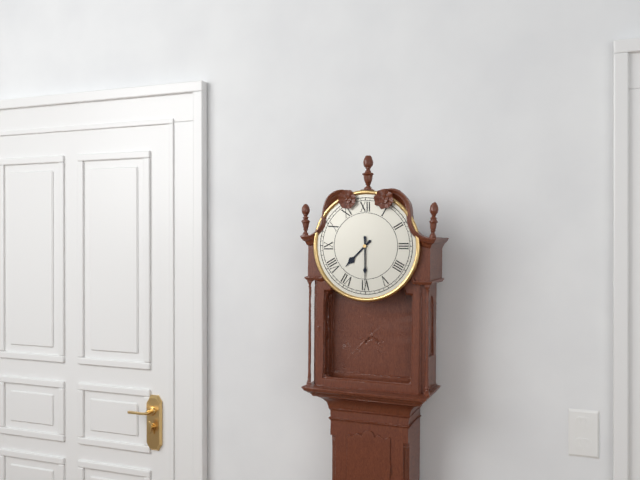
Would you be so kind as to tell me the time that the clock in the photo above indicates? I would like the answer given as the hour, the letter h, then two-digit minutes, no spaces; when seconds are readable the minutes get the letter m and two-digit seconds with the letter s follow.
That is 7h30
